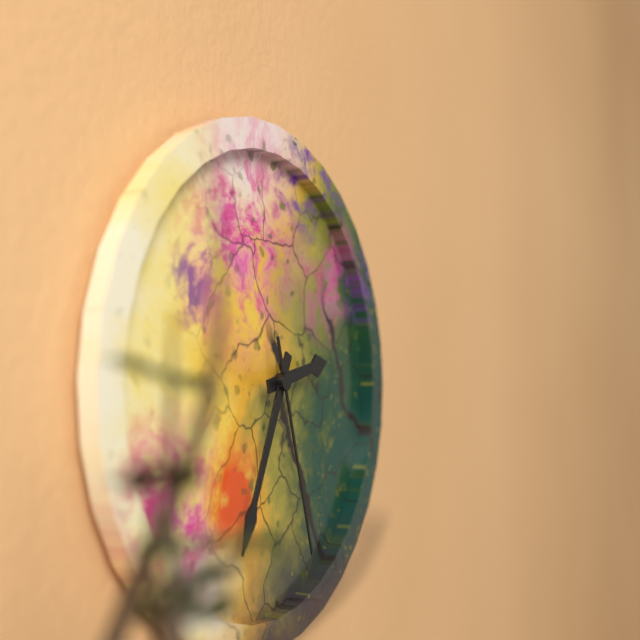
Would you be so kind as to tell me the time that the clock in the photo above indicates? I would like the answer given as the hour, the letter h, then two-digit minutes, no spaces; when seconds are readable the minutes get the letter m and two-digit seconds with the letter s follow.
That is 2h34m27s
